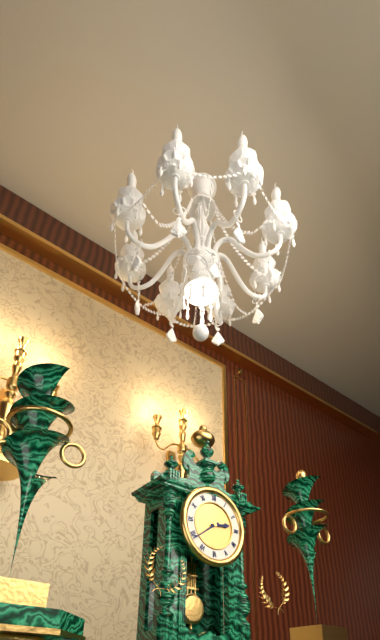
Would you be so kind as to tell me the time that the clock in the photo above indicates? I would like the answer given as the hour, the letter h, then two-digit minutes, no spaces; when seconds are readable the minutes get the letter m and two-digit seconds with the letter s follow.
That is 2h39
